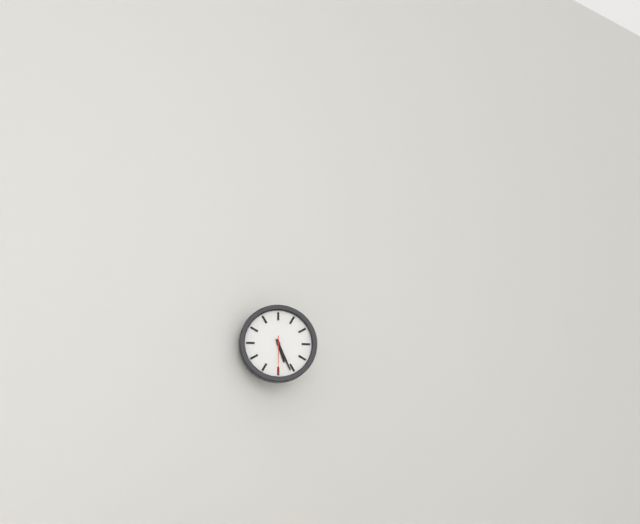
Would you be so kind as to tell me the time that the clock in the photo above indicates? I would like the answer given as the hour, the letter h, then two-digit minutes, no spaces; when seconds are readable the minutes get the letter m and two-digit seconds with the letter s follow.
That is 5h26
